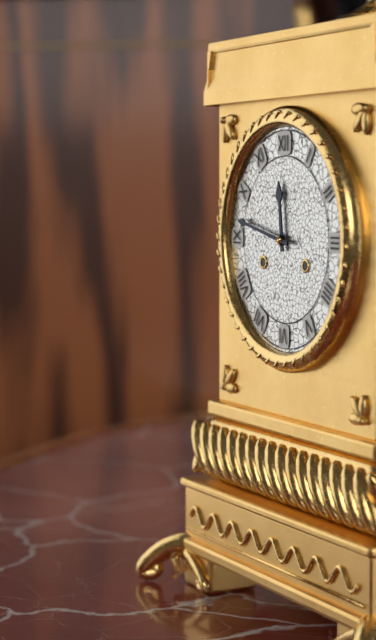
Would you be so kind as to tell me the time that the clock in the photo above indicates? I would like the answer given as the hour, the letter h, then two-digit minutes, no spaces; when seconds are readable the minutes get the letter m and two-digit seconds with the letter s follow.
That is 11h47
